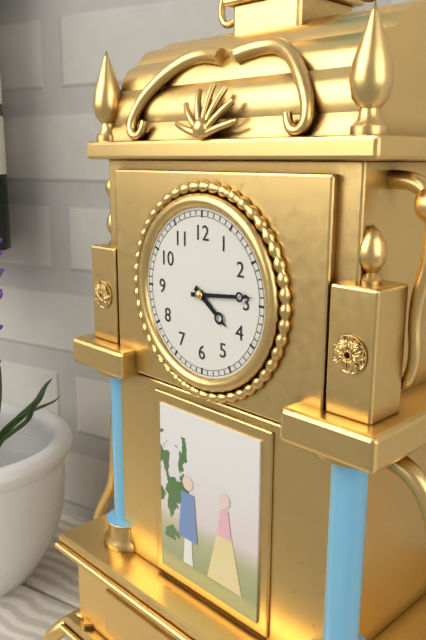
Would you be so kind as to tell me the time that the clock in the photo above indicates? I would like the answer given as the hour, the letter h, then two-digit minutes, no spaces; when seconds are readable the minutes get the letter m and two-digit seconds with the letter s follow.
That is 4h14
